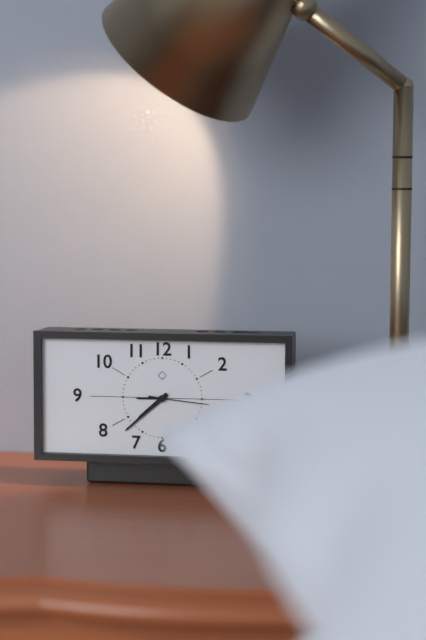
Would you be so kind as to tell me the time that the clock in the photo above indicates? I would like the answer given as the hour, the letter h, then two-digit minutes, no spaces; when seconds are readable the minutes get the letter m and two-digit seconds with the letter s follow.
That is 7h38m16s
